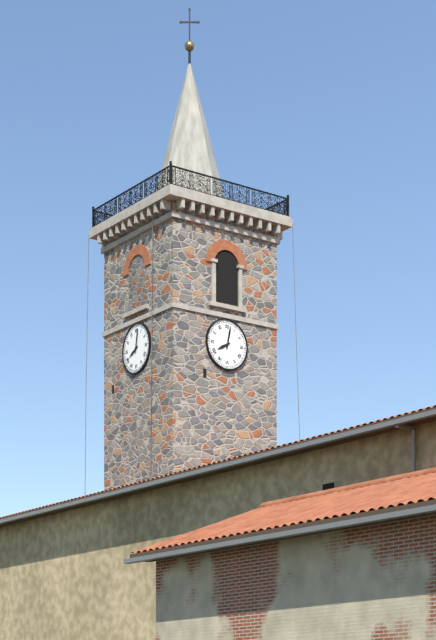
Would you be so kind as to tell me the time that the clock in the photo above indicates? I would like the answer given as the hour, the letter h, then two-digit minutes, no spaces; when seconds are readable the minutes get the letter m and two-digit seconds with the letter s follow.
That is 8h02
